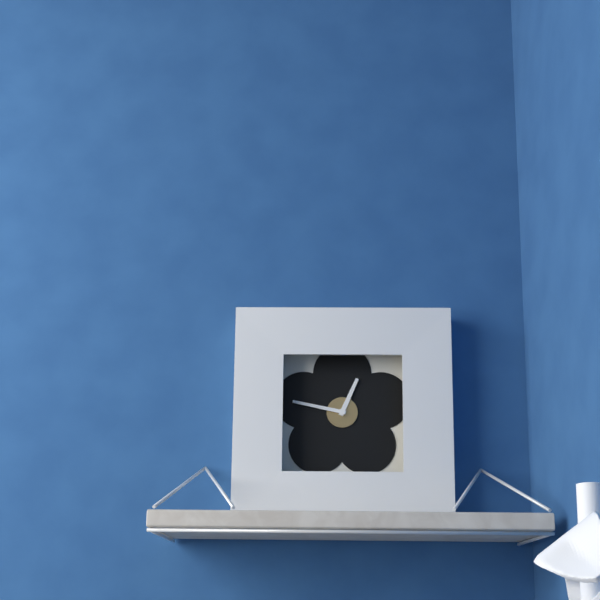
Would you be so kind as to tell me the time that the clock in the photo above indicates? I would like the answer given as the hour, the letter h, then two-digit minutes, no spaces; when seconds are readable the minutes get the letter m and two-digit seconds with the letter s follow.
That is 12h47
